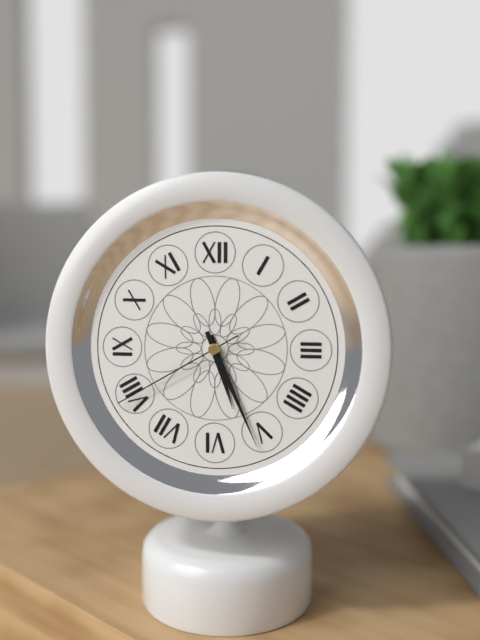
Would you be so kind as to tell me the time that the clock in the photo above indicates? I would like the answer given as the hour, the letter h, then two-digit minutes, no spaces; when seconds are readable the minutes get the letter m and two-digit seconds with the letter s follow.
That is 5h26m40s
